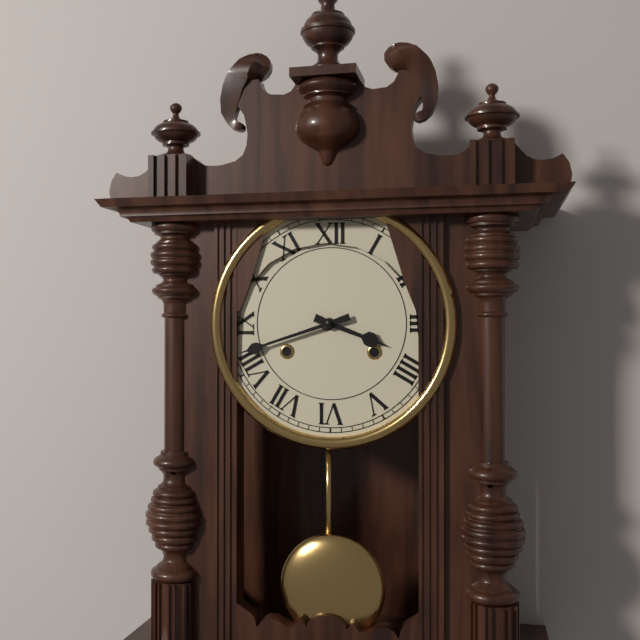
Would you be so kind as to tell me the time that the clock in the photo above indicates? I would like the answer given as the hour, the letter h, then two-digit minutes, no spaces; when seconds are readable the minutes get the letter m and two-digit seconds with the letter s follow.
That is 3h42
